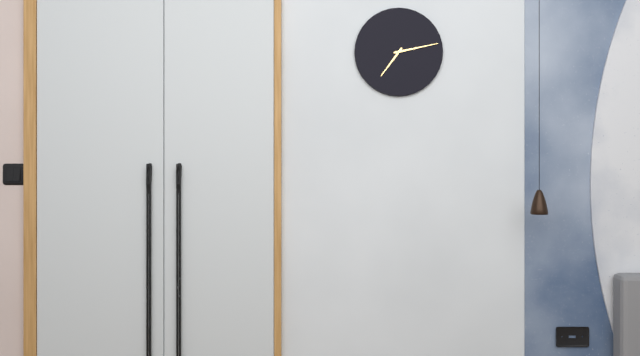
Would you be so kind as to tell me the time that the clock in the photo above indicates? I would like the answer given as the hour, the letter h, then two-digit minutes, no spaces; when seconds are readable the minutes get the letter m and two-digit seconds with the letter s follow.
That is 7h13
